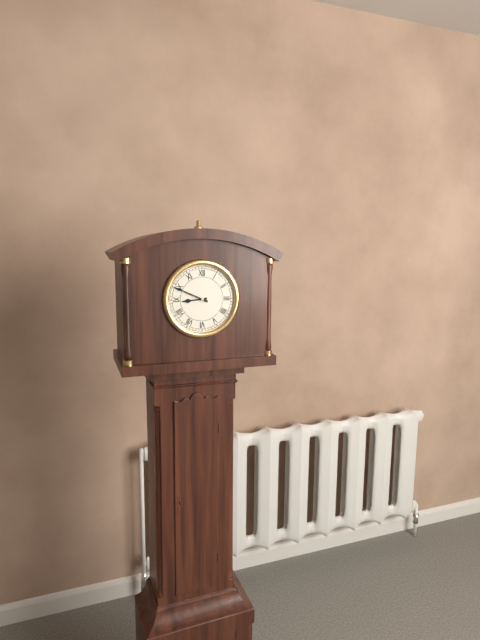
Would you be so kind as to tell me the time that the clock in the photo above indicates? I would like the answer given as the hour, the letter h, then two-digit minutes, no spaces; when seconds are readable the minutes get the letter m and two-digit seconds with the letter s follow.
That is 8h49
